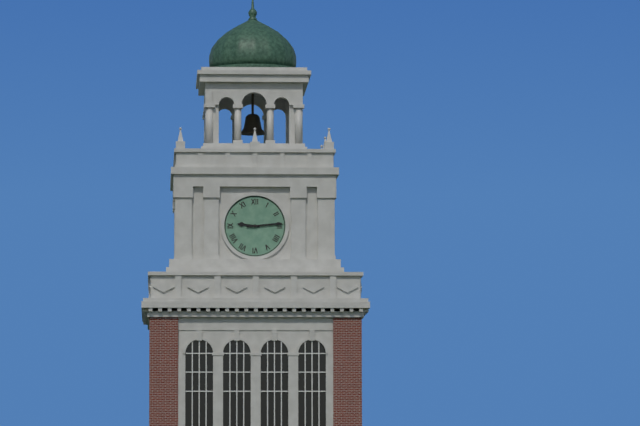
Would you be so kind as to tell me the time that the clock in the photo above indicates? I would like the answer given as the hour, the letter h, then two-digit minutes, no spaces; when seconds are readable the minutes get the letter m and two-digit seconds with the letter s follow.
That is 9h14
